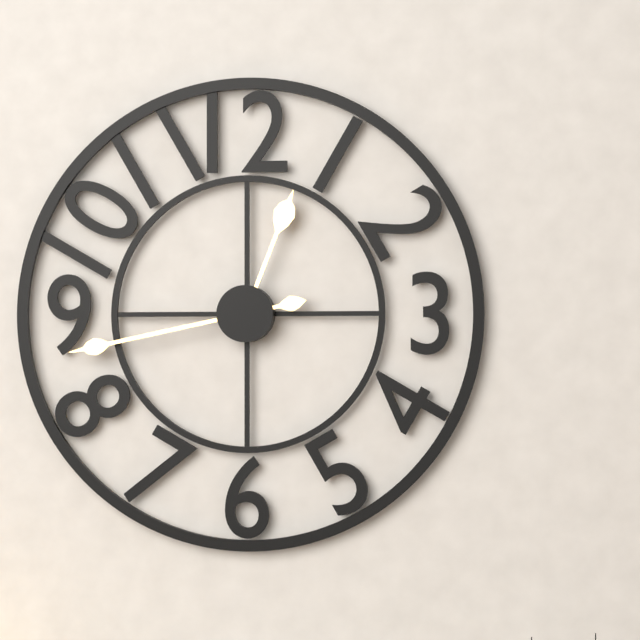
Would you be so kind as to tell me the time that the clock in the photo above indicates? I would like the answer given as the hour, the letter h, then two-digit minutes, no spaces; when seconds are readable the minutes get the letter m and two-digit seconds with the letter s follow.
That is 12h43
